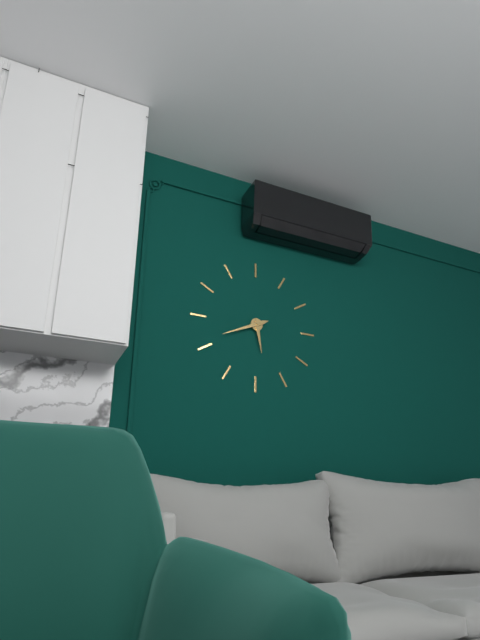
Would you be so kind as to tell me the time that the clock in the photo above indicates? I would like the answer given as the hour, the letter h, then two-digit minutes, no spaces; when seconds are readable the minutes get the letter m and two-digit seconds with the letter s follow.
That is 5h41
